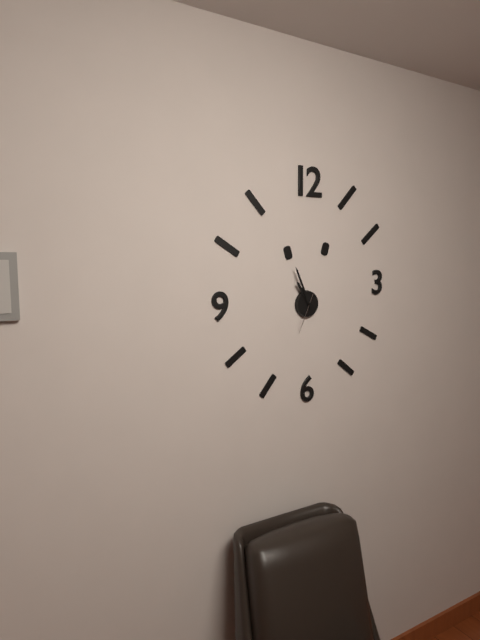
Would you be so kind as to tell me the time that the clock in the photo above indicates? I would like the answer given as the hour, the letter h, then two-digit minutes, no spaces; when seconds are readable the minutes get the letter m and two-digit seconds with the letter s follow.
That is 10h56
